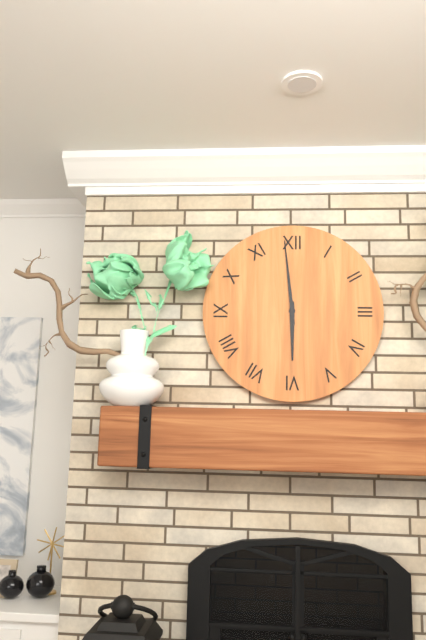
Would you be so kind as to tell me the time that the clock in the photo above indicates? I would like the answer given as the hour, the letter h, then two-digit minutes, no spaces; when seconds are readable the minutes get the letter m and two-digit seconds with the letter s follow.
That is 5h59
